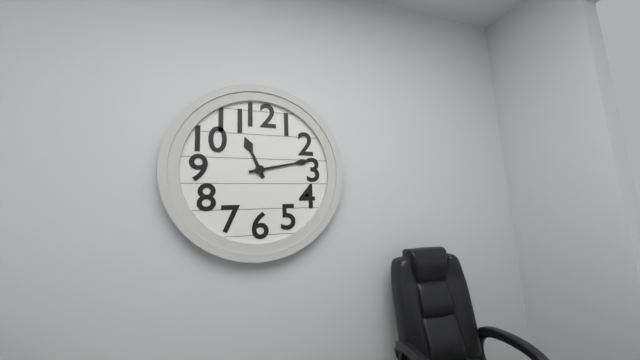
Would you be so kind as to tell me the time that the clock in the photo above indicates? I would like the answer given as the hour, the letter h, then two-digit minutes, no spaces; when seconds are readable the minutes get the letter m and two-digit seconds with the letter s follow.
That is 11h13
